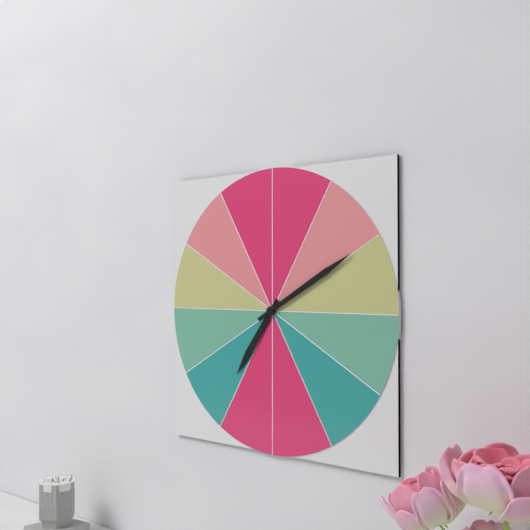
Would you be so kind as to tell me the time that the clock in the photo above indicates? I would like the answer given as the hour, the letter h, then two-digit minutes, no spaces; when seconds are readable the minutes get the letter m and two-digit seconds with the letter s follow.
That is 7h10
